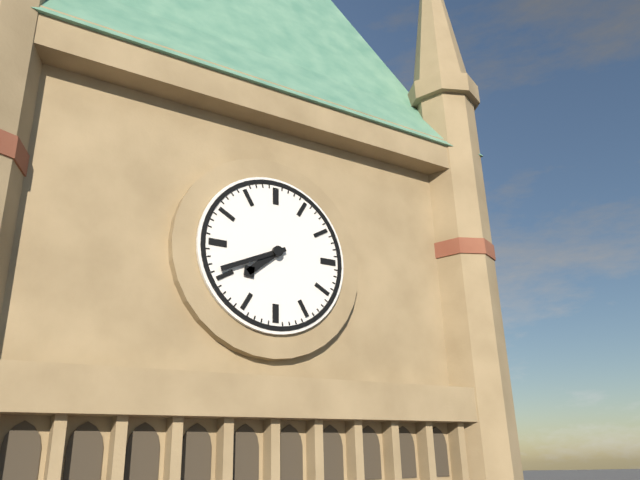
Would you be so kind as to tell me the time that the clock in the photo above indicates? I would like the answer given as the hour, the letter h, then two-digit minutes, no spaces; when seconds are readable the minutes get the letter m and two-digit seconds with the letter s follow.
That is 7h41
